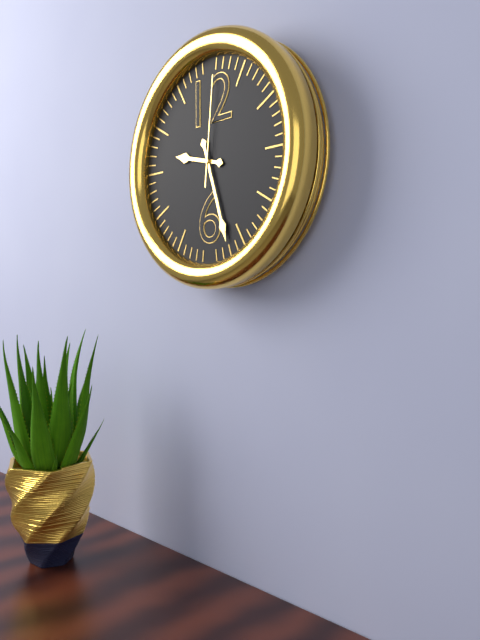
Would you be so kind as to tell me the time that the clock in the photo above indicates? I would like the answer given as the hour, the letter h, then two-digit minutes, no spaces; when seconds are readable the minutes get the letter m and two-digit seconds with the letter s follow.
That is 9h27m01s
